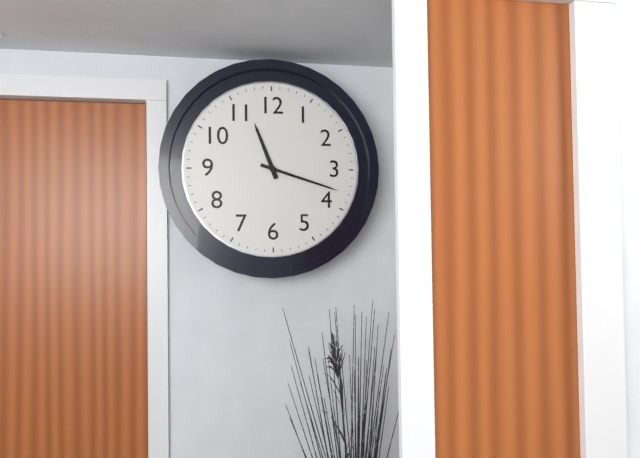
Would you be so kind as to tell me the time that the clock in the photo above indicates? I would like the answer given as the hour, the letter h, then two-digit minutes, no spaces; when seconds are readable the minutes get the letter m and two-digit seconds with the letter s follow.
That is 11h18
